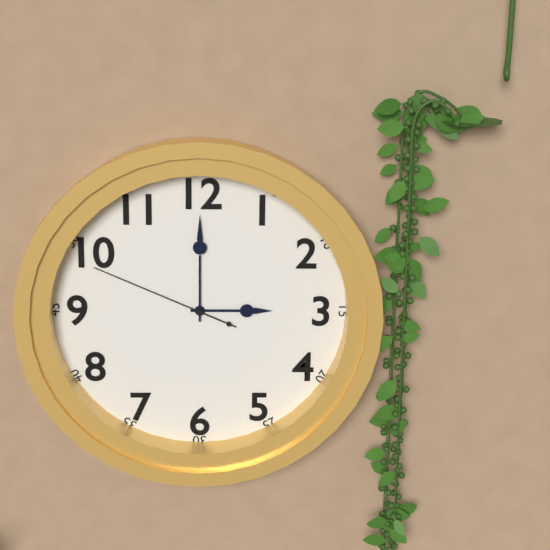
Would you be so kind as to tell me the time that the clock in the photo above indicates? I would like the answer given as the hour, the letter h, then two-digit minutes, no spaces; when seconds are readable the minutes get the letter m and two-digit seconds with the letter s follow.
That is 3h00m49s
